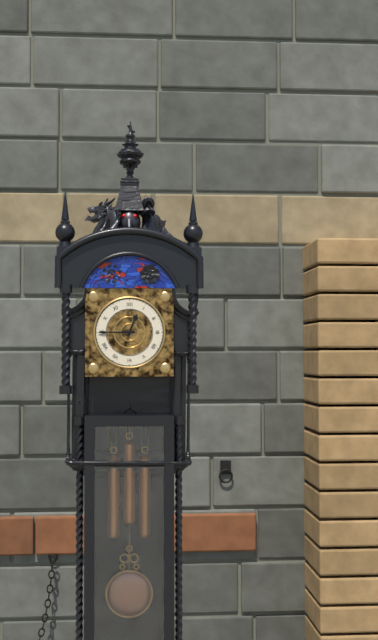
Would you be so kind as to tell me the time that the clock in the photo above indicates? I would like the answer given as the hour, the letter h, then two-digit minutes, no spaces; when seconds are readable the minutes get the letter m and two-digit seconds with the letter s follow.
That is 12h45
